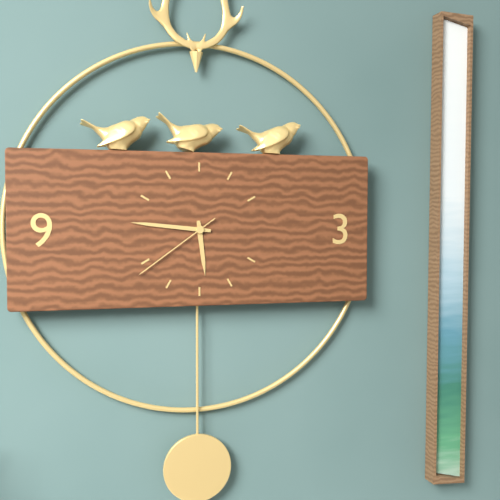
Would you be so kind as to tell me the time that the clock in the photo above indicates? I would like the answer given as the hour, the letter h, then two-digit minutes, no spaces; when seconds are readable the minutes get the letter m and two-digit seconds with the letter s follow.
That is 5h46m39s
